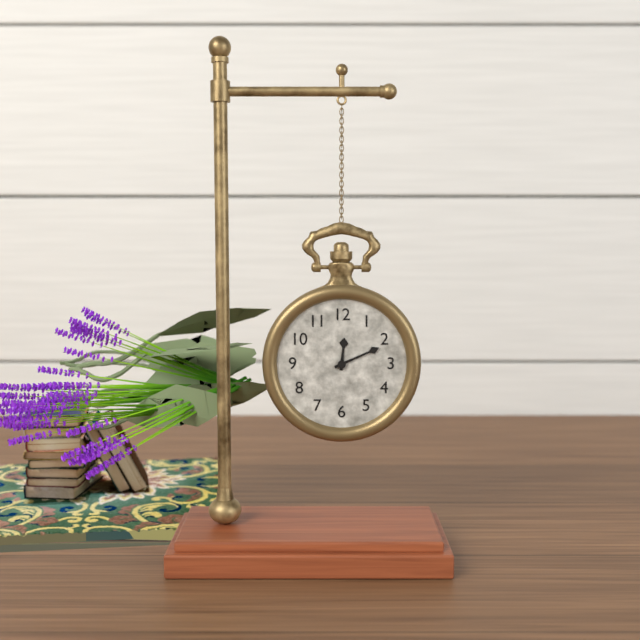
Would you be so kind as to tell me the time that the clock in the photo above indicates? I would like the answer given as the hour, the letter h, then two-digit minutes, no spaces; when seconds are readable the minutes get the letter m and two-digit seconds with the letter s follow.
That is 12h11
